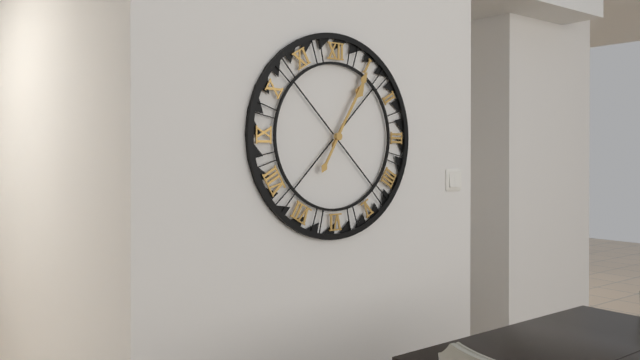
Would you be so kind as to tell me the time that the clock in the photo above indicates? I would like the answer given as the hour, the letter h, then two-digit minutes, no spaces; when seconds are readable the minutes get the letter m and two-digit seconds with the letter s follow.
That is 1h05
